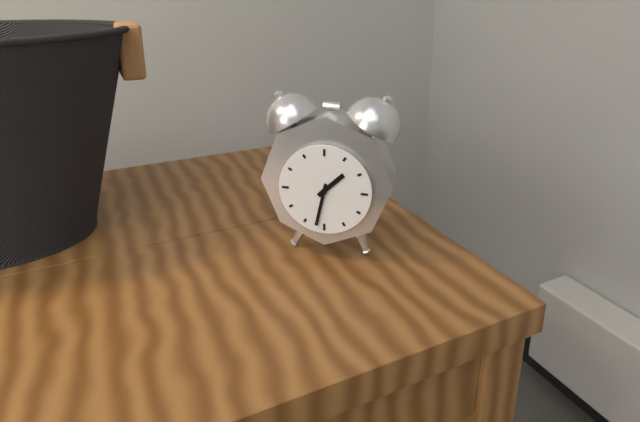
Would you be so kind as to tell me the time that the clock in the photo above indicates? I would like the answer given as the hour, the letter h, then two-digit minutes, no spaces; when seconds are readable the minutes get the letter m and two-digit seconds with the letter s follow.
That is 1h32
